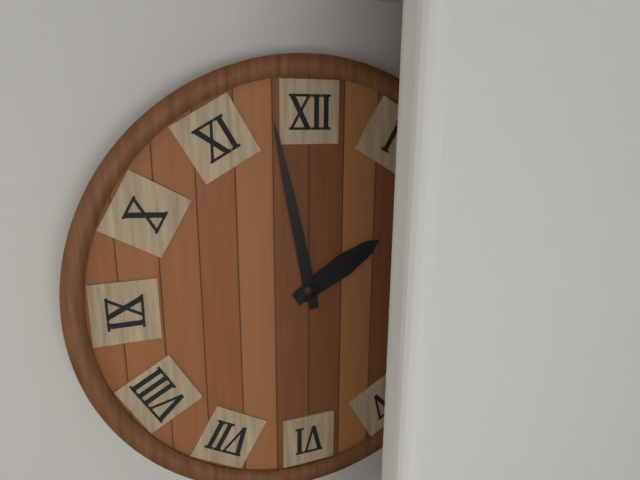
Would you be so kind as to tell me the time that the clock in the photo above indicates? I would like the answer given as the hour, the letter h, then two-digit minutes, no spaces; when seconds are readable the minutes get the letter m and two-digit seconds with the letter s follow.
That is 1h58
